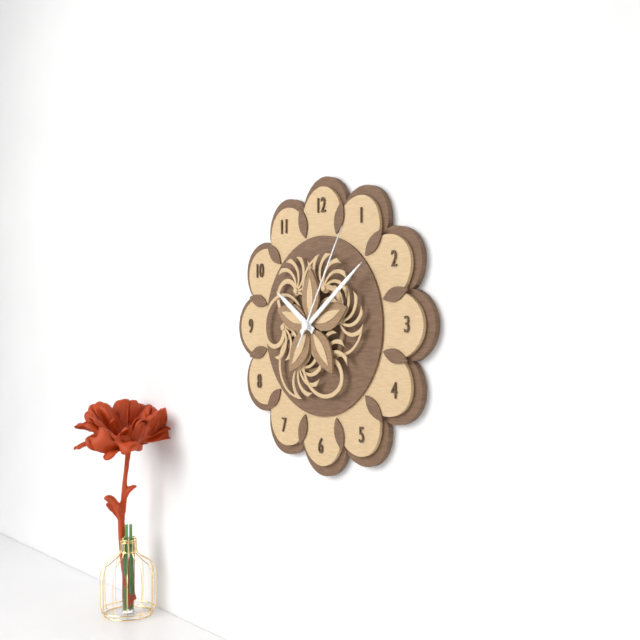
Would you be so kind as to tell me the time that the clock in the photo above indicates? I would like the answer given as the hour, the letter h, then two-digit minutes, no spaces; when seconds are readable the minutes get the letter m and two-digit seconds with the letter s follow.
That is 10h09m05s
